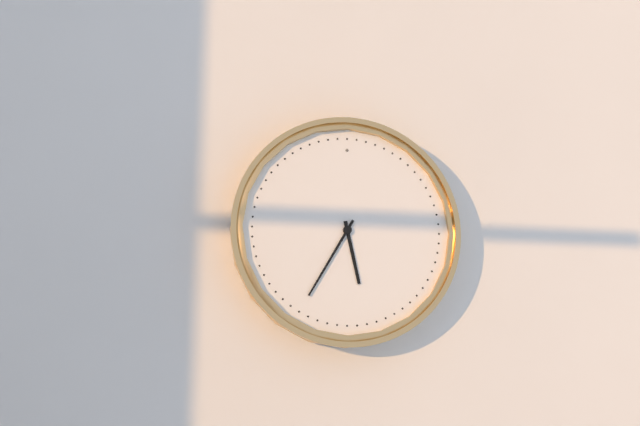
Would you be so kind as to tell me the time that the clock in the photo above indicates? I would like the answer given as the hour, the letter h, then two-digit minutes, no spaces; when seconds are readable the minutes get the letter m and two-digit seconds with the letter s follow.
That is 5h35
